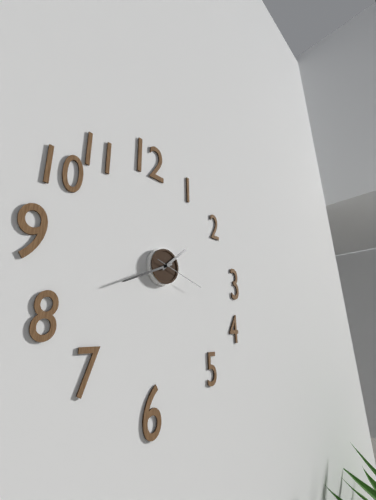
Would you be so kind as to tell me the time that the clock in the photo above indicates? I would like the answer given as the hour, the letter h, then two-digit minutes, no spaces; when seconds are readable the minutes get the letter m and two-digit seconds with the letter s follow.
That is 1h41m18s
